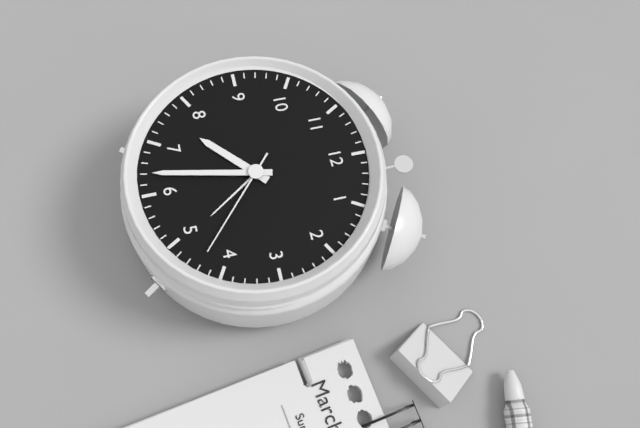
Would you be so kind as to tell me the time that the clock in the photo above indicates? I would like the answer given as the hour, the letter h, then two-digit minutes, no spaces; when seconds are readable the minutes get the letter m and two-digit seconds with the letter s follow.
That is 7h32m22s
